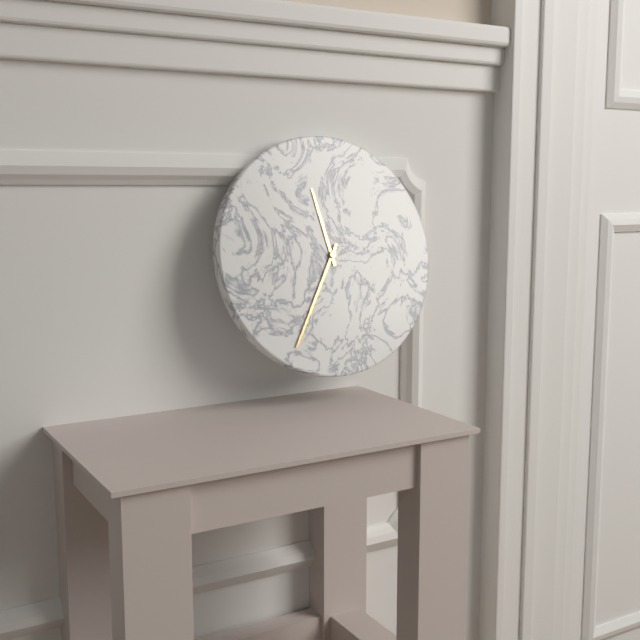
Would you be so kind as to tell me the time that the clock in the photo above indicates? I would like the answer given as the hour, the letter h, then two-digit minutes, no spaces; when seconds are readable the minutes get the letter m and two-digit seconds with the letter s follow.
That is 11h35
